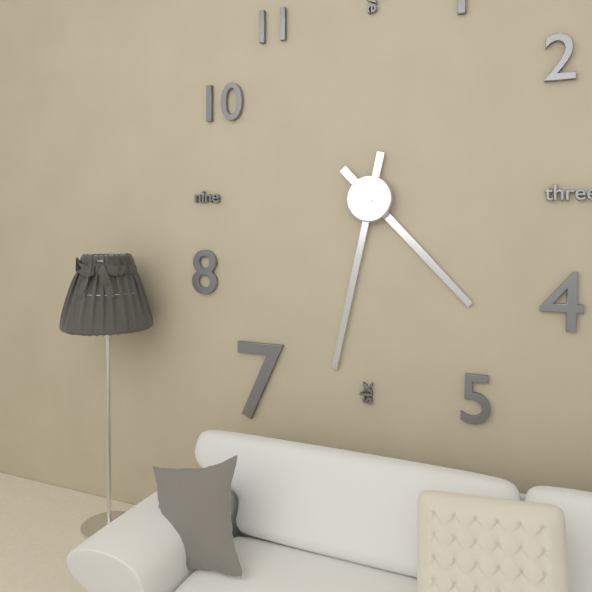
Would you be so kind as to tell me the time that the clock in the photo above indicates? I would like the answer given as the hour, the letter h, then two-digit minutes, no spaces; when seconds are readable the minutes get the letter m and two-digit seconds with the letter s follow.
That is 4h32
